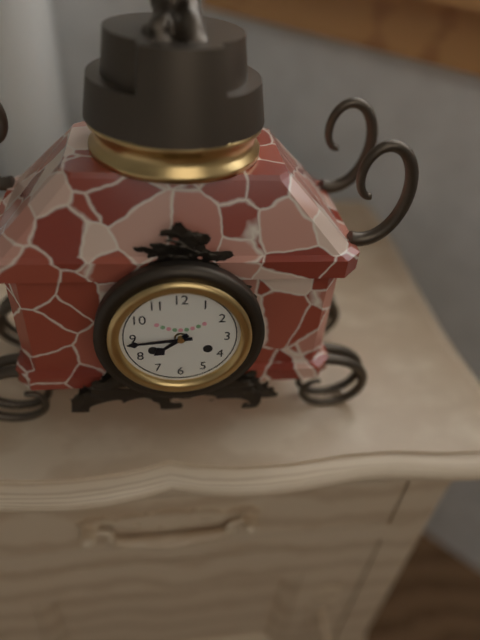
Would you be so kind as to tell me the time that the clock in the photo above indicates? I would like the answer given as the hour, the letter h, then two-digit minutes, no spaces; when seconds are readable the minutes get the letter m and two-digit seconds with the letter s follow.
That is 7h44
